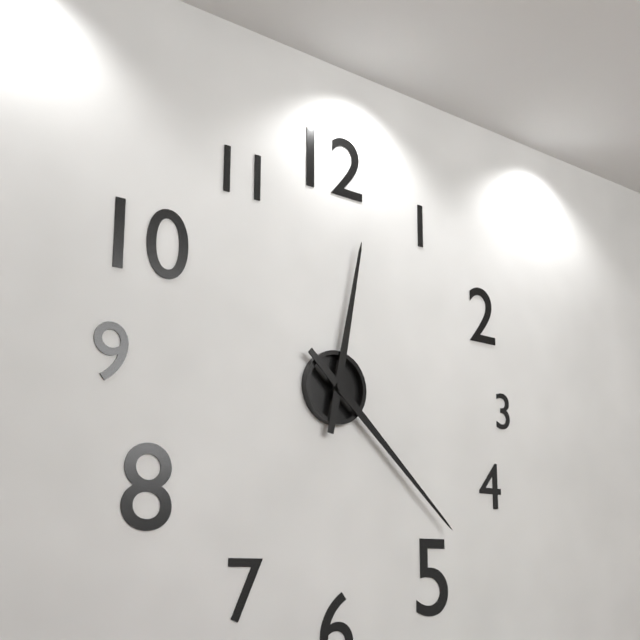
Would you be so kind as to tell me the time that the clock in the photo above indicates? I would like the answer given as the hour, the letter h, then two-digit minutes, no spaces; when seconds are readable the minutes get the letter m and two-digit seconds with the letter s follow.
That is 12h22
